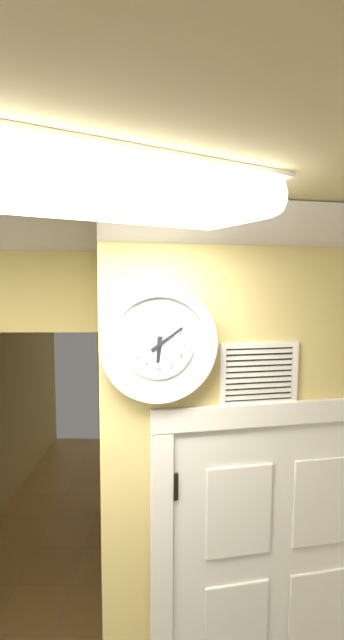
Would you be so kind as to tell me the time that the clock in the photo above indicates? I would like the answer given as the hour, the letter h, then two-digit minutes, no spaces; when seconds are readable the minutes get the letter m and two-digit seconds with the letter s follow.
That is 6h09
